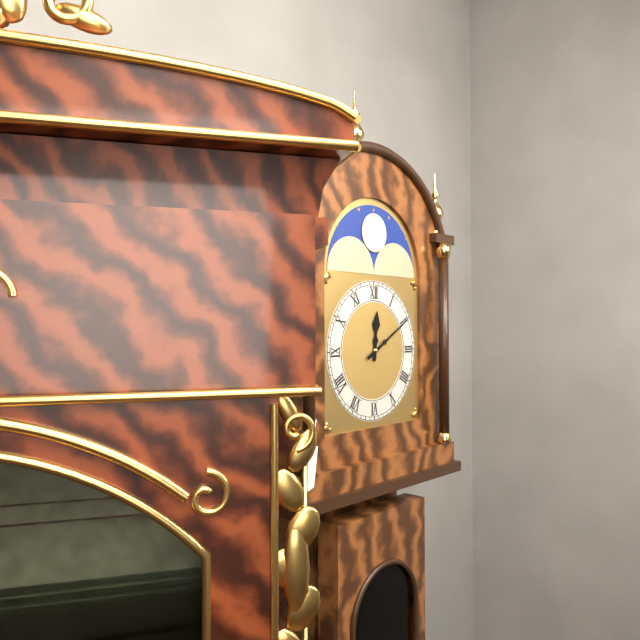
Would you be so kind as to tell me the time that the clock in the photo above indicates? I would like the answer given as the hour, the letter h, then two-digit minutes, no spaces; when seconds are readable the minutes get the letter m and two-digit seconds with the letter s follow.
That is 12h10
